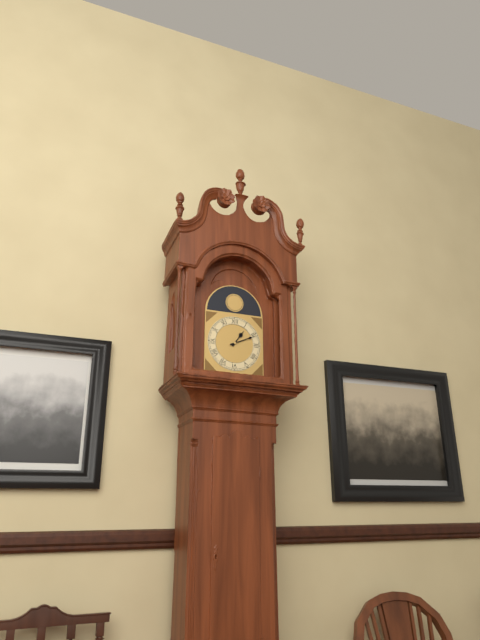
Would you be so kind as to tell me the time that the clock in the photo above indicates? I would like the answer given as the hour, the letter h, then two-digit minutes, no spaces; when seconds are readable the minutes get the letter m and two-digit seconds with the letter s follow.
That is 1h11
